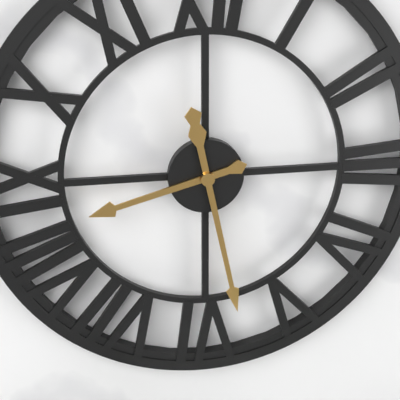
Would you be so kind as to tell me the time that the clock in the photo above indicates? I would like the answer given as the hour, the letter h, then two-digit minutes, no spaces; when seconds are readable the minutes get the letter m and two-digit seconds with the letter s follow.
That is 8h28
